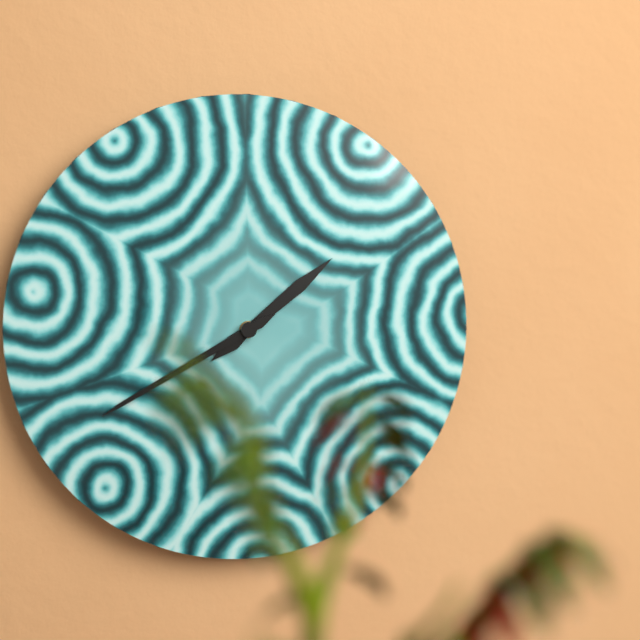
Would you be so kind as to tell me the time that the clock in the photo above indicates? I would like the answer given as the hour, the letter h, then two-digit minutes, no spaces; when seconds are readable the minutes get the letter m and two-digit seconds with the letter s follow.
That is 1h40
